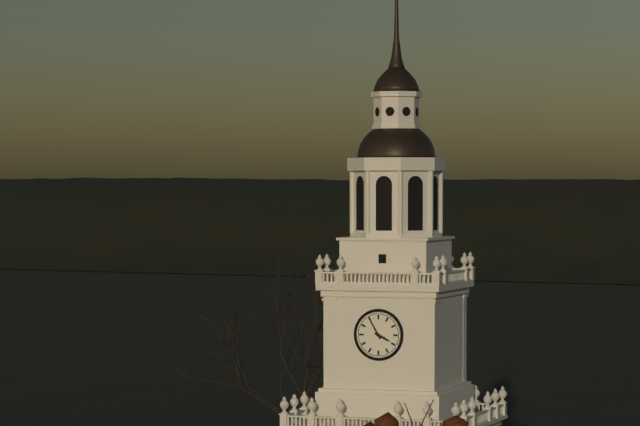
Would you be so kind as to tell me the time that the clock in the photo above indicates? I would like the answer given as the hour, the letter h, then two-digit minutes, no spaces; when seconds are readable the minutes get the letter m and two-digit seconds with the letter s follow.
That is 3h55
